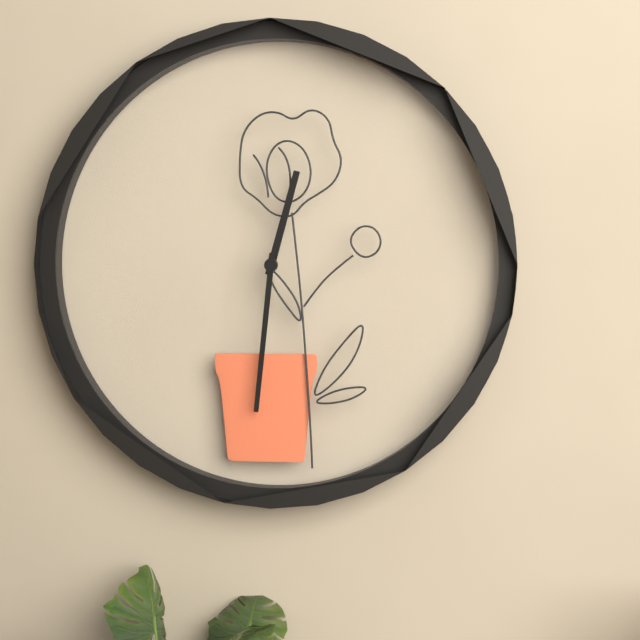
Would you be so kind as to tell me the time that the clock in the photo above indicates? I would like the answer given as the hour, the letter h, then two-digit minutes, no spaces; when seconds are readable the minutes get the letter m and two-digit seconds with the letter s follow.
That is 12h31
